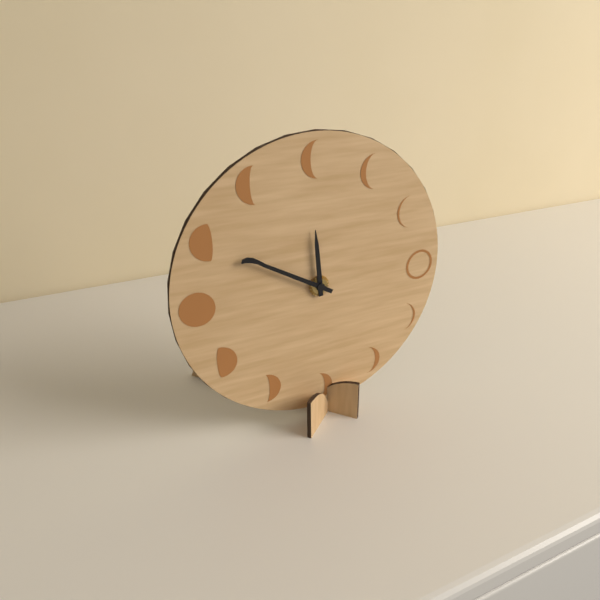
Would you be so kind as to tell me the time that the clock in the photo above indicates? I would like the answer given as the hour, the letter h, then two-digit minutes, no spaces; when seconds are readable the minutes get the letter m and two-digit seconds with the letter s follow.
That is 11h50
